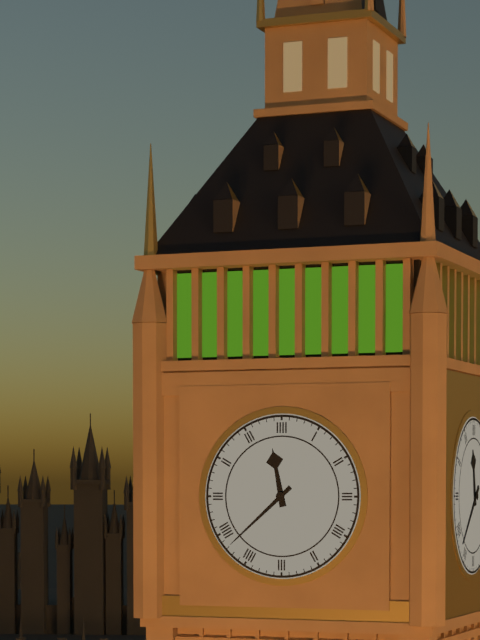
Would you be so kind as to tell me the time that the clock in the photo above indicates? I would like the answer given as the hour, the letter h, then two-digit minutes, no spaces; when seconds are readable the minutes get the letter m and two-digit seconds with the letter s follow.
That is 11h38
